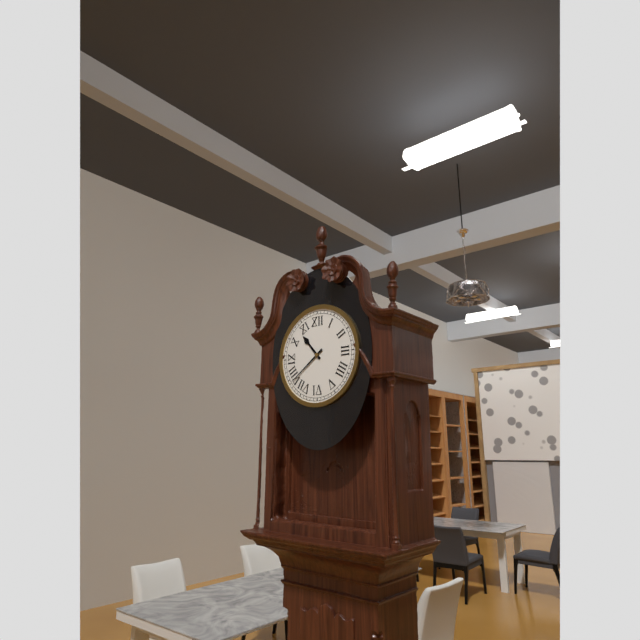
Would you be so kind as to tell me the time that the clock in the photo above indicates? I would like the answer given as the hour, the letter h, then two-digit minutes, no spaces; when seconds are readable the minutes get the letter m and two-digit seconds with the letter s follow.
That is 10h39
